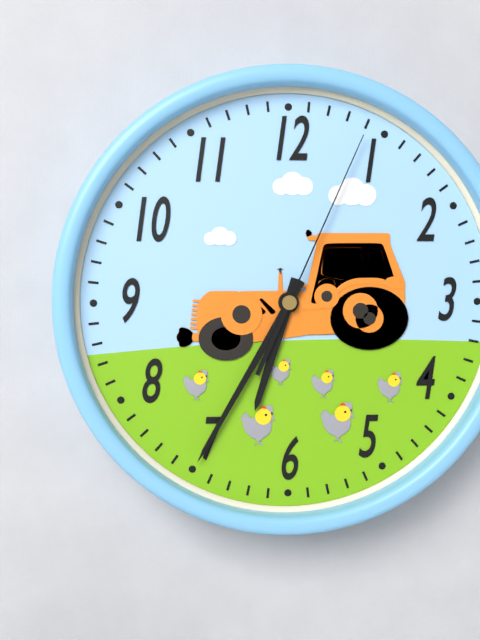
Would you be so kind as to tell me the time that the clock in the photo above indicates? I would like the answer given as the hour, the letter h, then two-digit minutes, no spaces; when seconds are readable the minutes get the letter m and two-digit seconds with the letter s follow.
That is 6h35m04s
